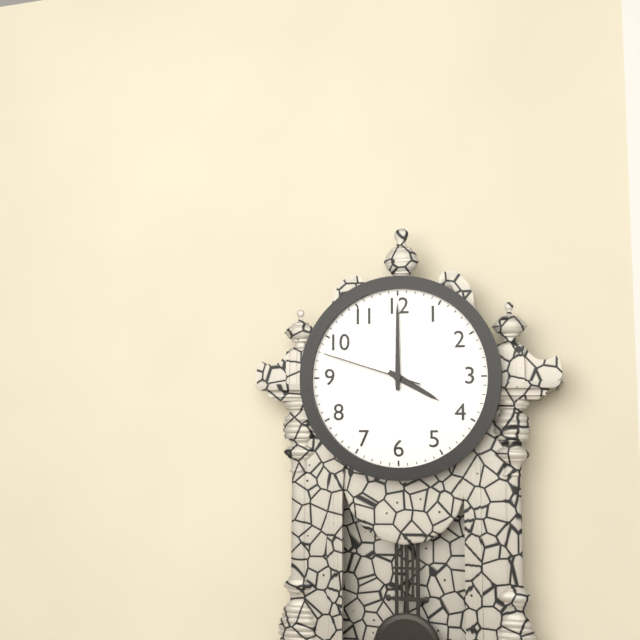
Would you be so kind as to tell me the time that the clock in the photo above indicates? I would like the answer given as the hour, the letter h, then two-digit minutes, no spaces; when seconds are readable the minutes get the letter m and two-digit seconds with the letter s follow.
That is 4h00m48s
